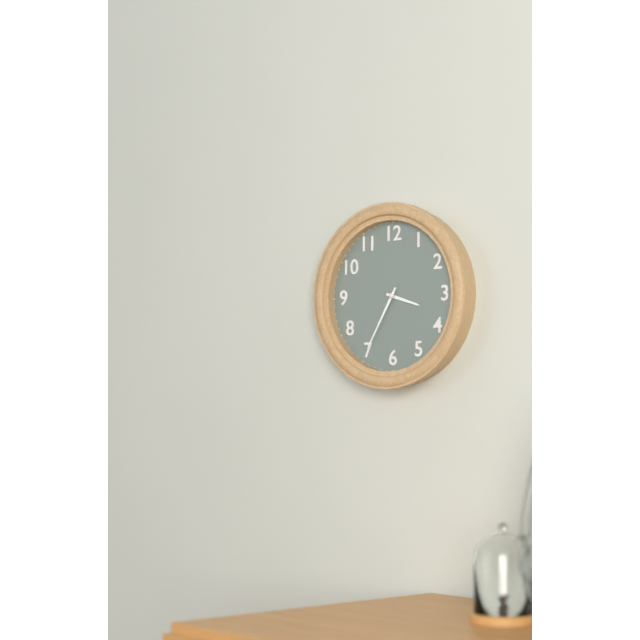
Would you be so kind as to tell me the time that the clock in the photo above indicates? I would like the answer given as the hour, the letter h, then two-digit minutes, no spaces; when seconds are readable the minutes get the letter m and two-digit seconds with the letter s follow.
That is 3h35
